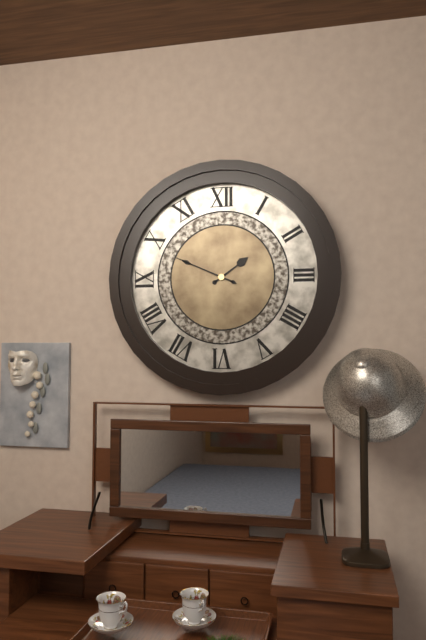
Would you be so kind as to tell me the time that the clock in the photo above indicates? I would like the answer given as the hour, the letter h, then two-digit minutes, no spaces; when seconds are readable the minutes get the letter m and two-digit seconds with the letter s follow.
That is 1h49
